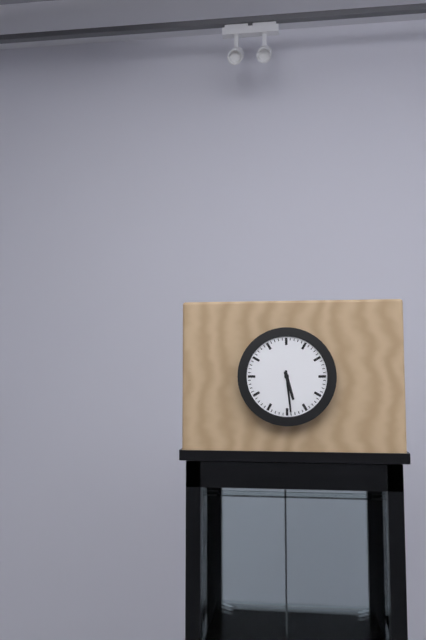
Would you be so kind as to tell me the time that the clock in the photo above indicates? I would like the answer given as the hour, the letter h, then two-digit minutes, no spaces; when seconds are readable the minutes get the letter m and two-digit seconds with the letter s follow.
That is 5h29
